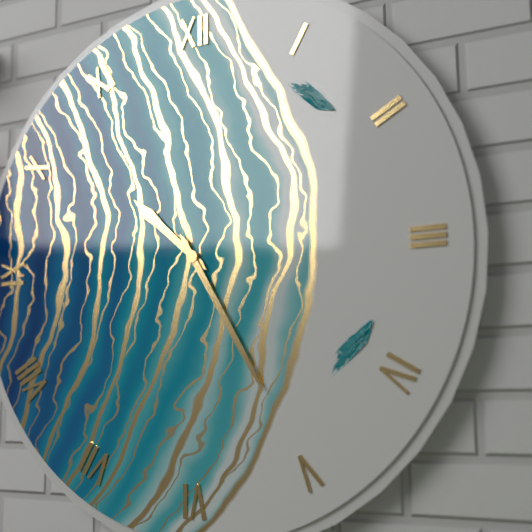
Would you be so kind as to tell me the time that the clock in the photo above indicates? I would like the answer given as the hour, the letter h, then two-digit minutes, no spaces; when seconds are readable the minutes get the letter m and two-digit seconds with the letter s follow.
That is 10h25
